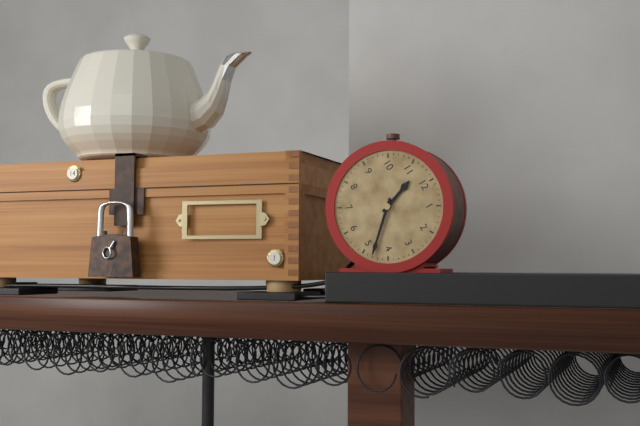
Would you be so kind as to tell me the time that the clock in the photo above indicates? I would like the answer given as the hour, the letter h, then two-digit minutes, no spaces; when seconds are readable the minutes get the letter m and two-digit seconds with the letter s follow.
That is 11h23
